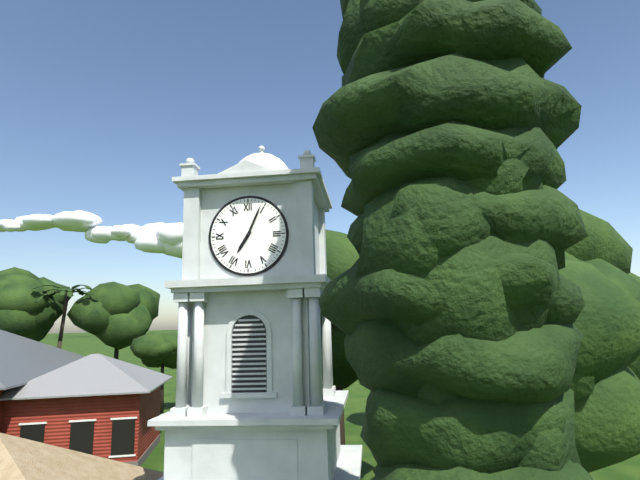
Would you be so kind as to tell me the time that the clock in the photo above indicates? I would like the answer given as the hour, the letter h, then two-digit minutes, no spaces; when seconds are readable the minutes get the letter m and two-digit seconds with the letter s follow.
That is 7h04
